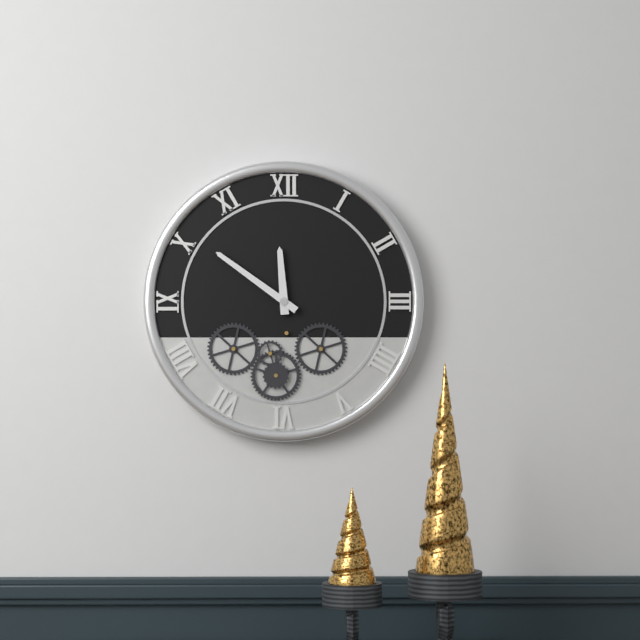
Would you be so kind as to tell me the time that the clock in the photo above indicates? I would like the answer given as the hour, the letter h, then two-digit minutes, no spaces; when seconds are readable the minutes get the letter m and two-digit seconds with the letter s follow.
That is 11h51
